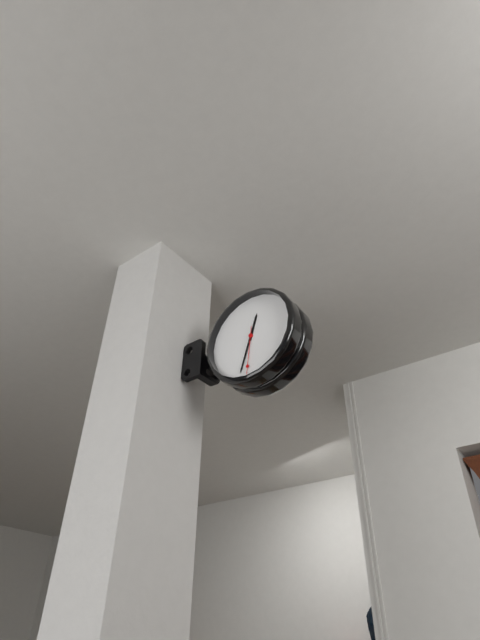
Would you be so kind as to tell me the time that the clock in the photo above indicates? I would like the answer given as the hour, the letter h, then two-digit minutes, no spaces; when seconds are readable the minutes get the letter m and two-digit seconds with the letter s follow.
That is 12h33
